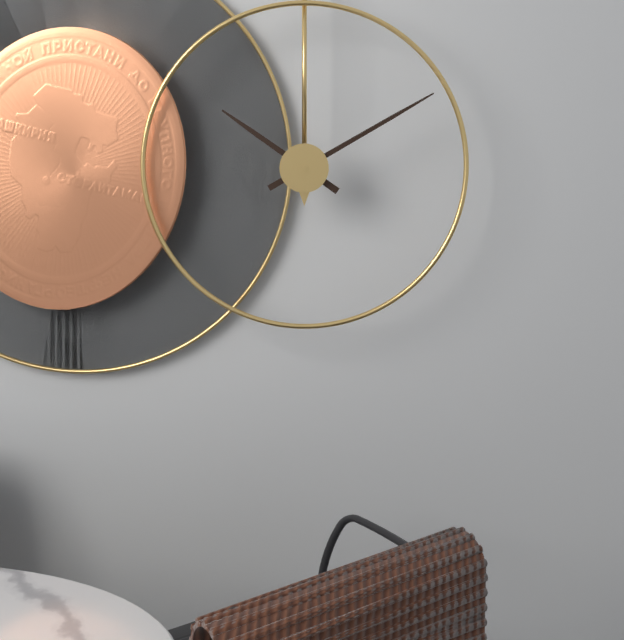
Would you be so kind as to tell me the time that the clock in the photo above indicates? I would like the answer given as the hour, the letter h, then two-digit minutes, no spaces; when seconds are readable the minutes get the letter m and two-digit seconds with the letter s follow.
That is 10h10
